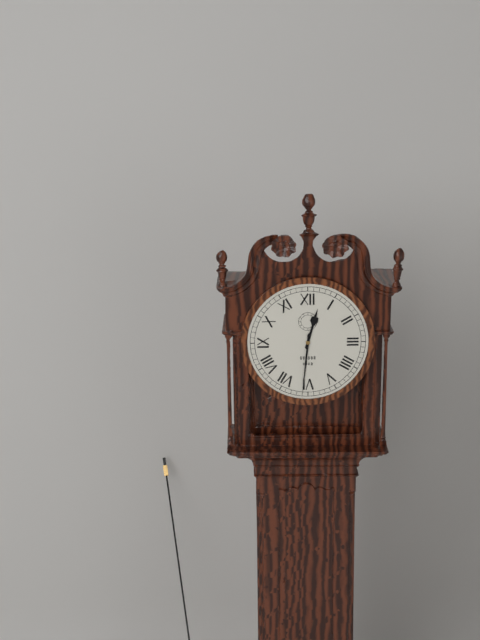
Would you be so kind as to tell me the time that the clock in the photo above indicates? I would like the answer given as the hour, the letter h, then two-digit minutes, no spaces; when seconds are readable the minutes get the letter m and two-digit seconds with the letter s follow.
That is 12h31
